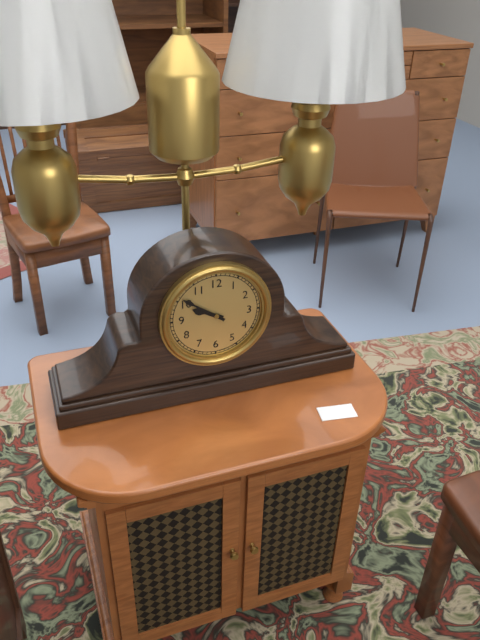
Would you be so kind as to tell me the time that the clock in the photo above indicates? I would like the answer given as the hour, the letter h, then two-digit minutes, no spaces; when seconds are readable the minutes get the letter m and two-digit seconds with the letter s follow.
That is 9h51
